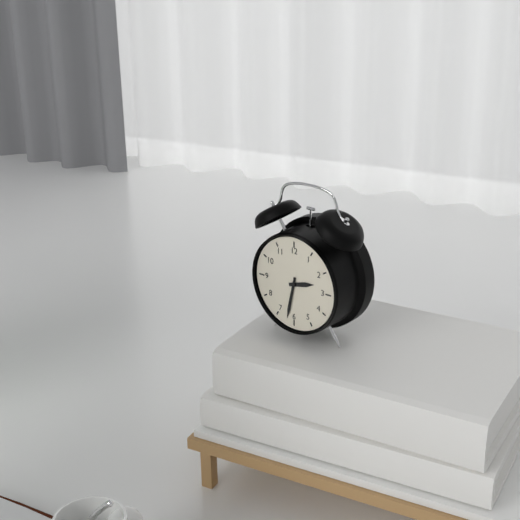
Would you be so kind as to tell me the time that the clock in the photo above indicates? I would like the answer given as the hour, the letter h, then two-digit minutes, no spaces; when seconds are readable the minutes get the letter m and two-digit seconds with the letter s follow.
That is 2h32
